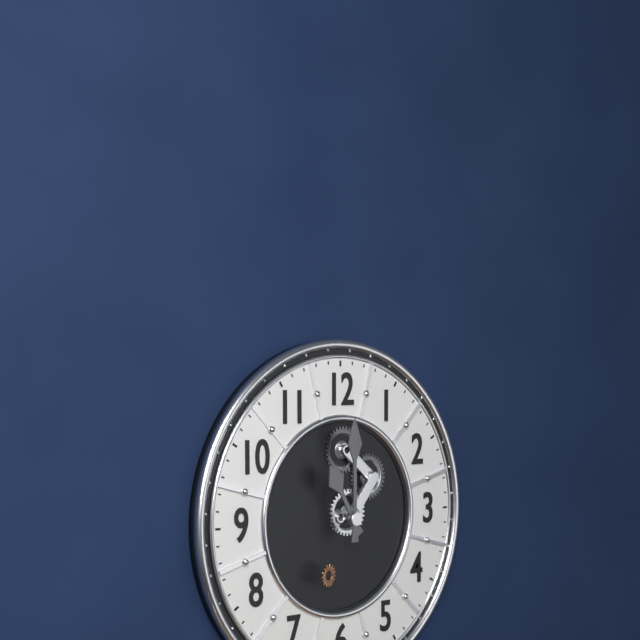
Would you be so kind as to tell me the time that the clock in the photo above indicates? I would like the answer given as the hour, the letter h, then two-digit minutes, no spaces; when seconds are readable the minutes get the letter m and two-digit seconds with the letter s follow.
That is 11h00
